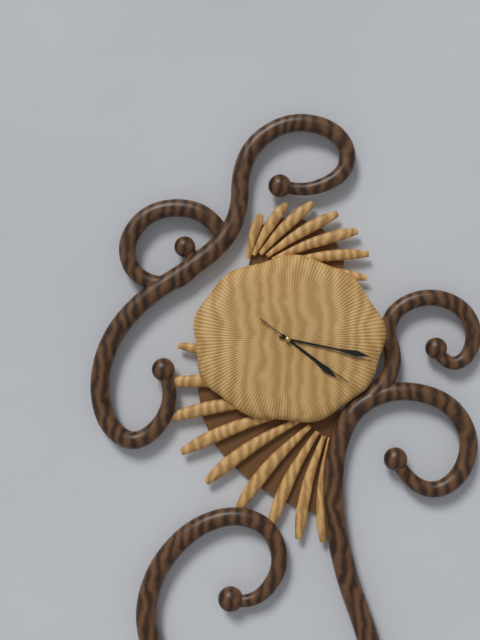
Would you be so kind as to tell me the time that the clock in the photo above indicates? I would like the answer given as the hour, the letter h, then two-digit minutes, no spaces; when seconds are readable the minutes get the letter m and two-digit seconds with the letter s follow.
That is 4h17m21s
